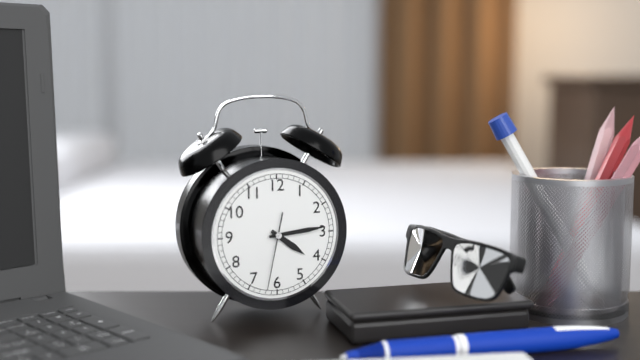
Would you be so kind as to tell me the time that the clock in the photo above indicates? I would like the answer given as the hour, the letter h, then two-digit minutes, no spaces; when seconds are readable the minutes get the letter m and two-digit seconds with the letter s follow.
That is 4h14m32s
